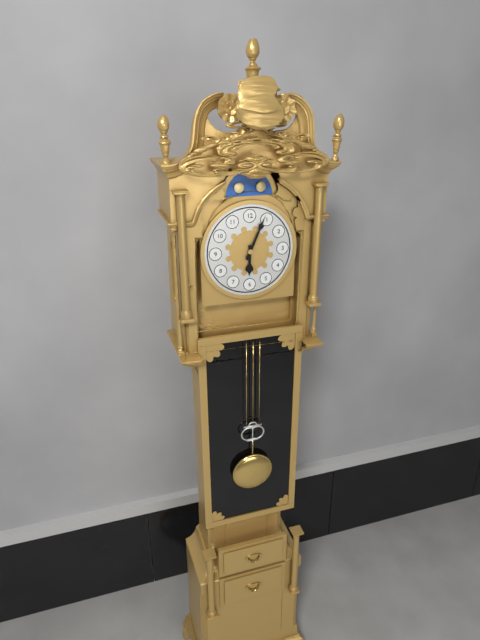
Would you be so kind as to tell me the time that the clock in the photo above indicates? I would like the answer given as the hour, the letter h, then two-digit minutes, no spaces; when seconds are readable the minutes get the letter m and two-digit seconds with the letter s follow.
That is 6h04
